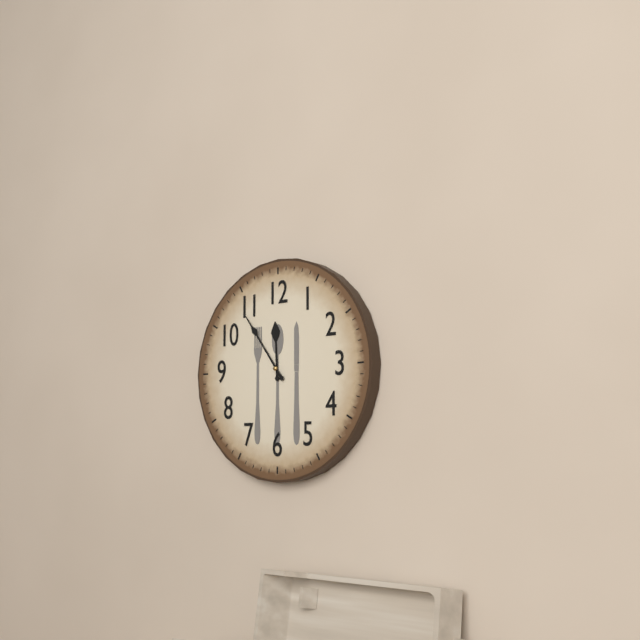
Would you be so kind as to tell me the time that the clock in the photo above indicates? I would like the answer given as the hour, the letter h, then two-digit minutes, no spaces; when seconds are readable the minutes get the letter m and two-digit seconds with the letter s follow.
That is 11h54
